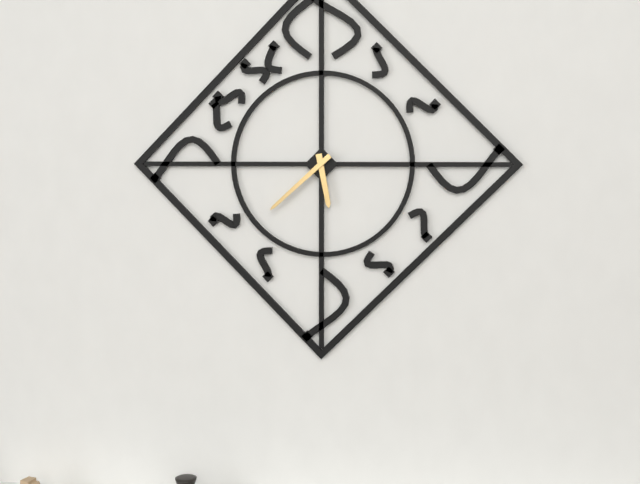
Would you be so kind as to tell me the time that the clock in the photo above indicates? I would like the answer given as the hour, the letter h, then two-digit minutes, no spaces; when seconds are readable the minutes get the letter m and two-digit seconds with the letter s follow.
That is 5h38
